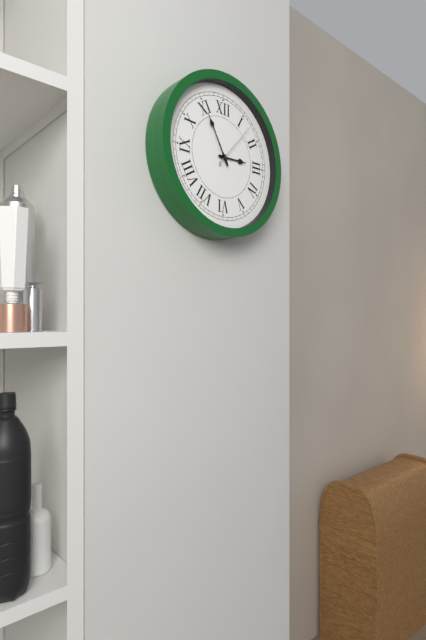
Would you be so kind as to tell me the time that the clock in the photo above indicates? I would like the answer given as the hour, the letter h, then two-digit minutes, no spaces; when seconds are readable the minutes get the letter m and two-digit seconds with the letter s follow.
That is 2h55m07s
